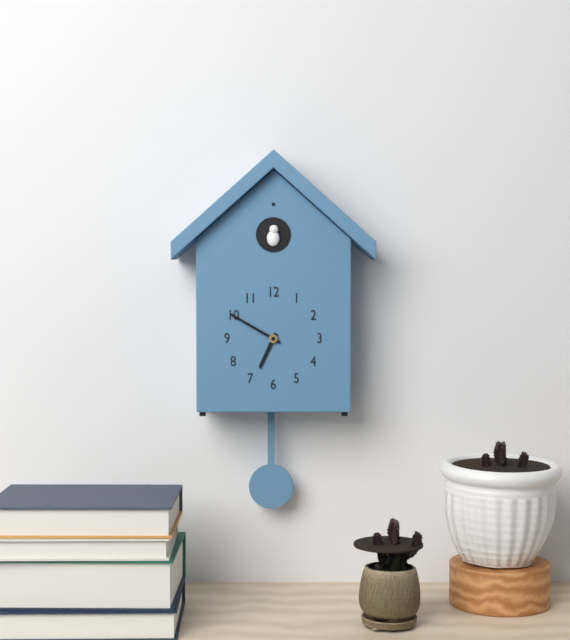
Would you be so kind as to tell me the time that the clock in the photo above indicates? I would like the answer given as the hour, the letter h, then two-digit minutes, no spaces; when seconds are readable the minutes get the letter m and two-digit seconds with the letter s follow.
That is 6h50
